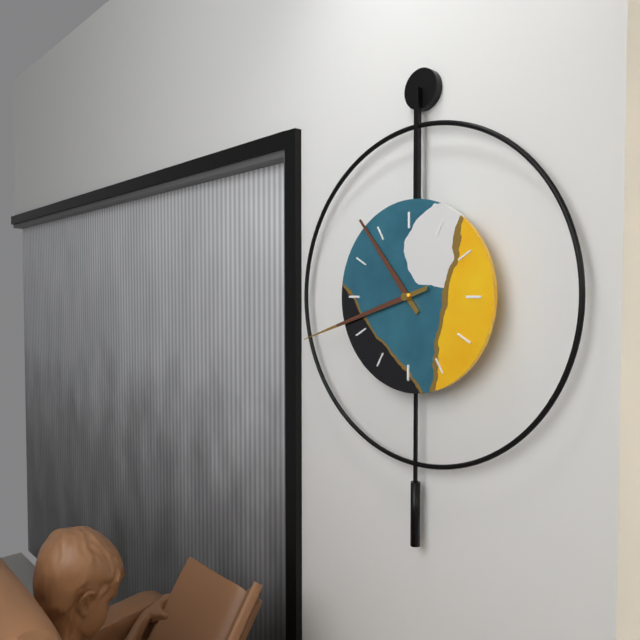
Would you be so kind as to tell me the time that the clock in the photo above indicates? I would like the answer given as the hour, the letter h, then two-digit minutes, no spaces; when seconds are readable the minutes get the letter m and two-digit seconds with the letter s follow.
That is 10h42
